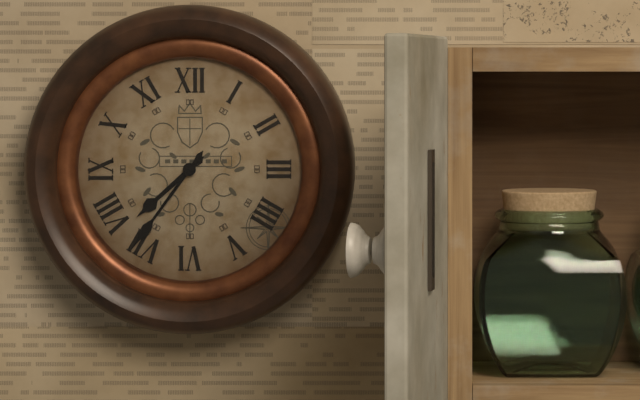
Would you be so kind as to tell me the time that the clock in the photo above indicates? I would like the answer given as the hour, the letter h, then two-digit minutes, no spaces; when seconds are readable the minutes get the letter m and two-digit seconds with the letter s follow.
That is 7h36
